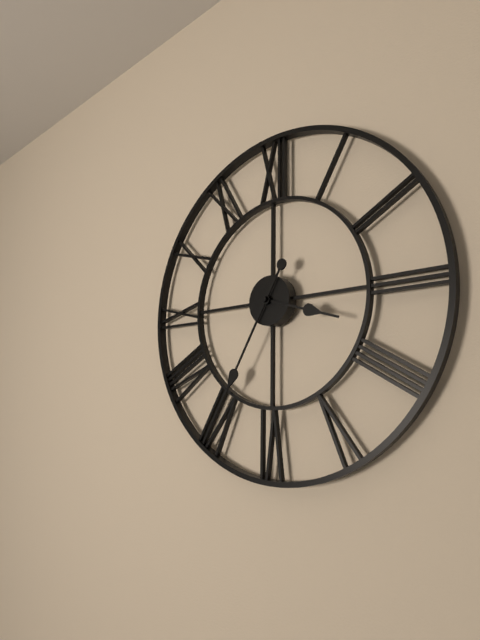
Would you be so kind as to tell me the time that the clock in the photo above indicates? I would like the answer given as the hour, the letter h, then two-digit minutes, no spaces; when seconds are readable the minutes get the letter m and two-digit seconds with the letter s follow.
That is 3h35
